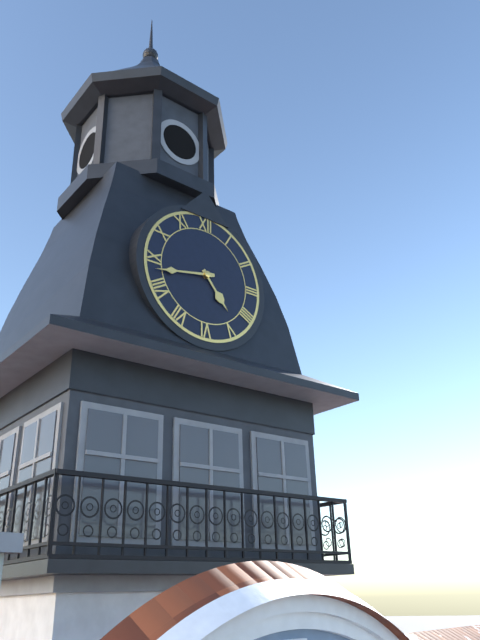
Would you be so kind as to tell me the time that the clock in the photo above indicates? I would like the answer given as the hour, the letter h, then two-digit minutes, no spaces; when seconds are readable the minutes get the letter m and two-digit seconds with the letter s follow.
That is 4h43
